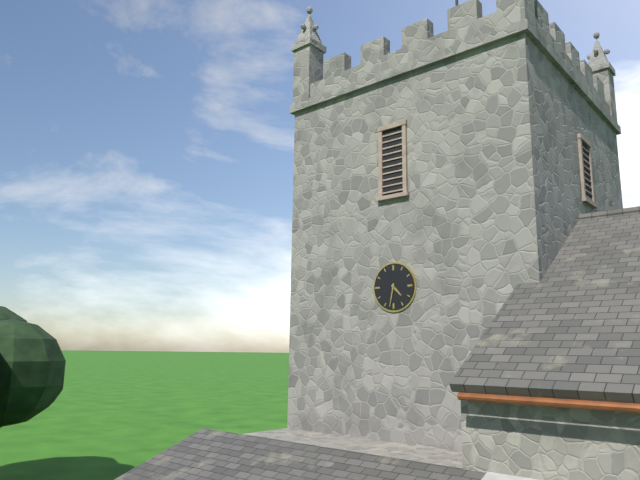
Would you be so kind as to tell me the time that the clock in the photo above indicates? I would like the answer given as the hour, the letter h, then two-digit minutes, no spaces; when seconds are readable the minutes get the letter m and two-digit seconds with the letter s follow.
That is 4h32
